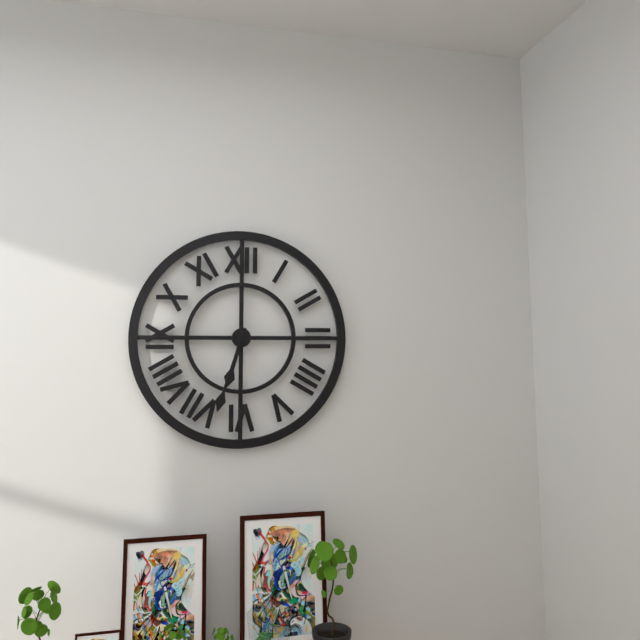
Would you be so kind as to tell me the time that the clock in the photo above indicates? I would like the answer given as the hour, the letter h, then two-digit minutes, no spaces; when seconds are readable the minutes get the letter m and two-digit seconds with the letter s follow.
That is 6h33
